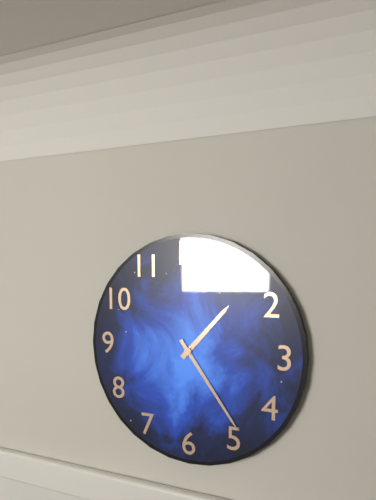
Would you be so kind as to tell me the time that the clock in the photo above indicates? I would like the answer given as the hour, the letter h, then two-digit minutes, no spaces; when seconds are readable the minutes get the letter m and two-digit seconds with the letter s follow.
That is 1h24
